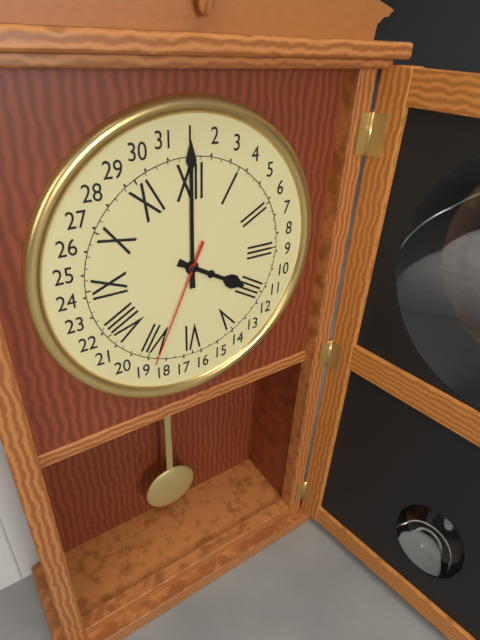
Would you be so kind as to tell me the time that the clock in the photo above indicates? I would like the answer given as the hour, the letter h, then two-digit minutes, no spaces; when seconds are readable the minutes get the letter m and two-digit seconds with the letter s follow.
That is 4h00m34s
